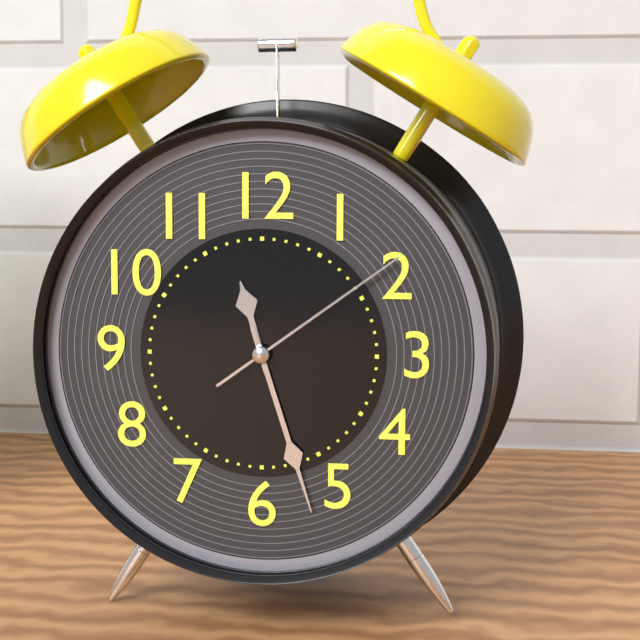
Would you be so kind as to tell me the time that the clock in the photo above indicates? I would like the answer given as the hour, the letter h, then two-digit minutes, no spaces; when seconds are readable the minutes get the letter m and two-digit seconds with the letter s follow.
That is 11h27m09s
